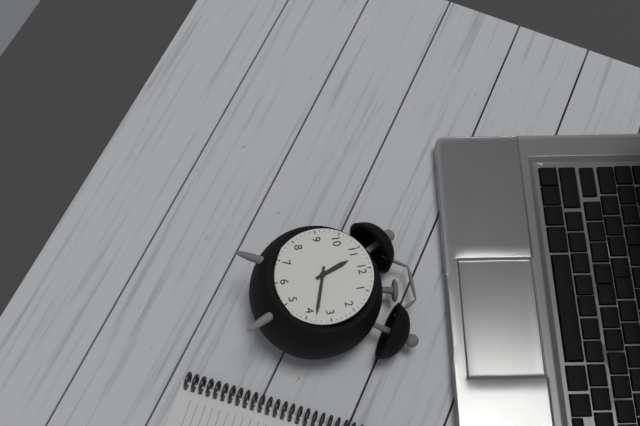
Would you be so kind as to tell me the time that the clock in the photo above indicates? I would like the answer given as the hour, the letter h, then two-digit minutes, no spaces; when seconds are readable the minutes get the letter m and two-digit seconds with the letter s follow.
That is 11h18
